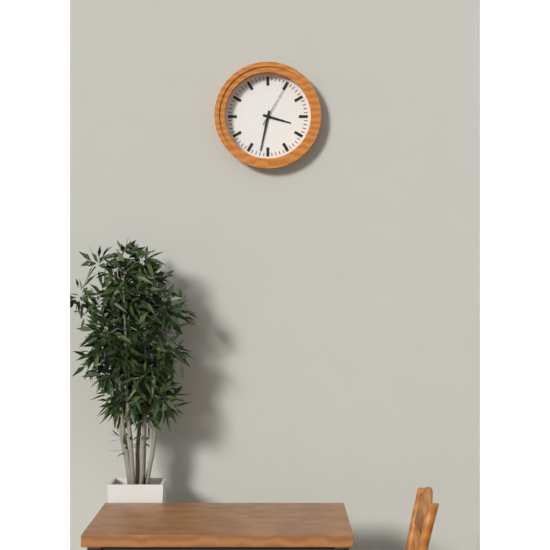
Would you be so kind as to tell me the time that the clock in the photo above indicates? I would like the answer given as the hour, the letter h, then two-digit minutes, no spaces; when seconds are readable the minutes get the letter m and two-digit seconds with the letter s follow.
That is 3h32
